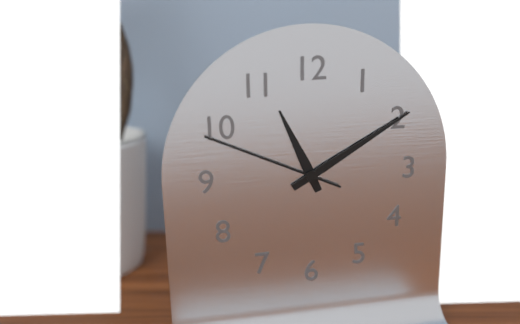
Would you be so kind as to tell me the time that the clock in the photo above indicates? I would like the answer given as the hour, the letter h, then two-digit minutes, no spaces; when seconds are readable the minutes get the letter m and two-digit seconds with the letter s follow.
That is 11h10m49s
